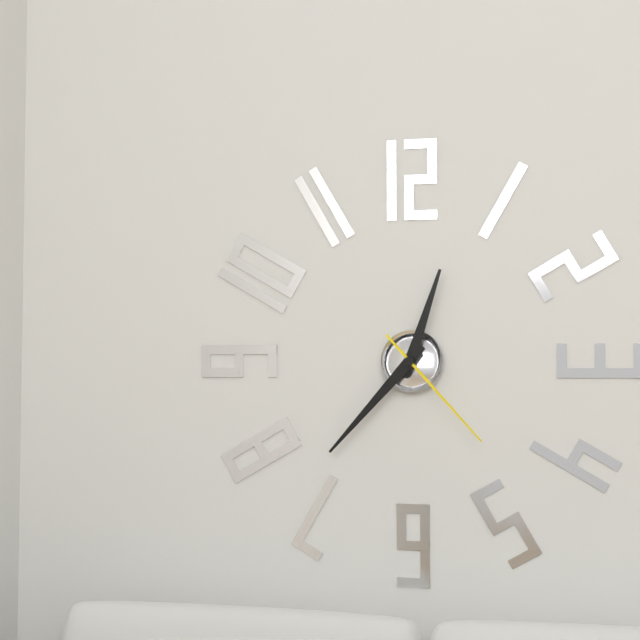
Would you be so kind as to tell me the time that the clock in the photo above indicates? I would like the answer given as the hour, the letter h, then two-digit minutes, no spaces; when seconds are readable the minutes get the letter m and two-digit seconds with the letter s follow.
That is 12h37m23s
